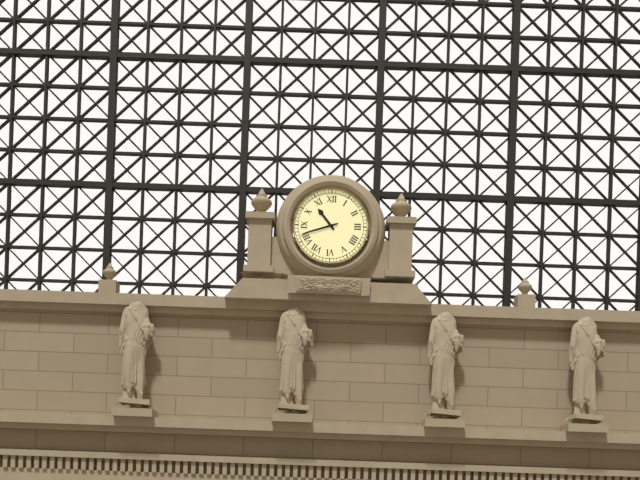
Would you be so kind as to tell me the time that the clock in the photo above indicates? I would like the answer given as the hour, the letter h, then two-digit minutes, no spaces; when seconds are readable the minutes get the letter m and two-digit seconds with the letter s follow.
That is 10h42
